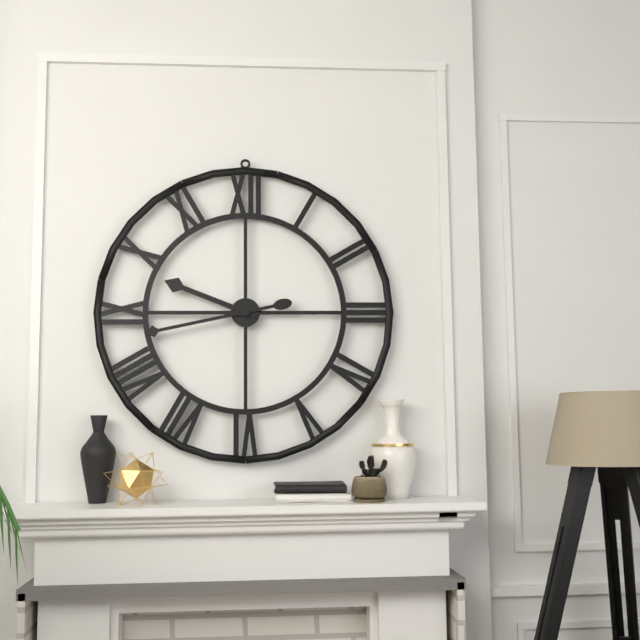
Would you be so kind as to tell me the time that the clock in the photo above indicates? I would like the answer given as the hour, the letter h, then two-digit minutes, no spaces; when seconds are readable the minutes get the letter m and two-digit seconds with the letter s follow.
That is 9h43
